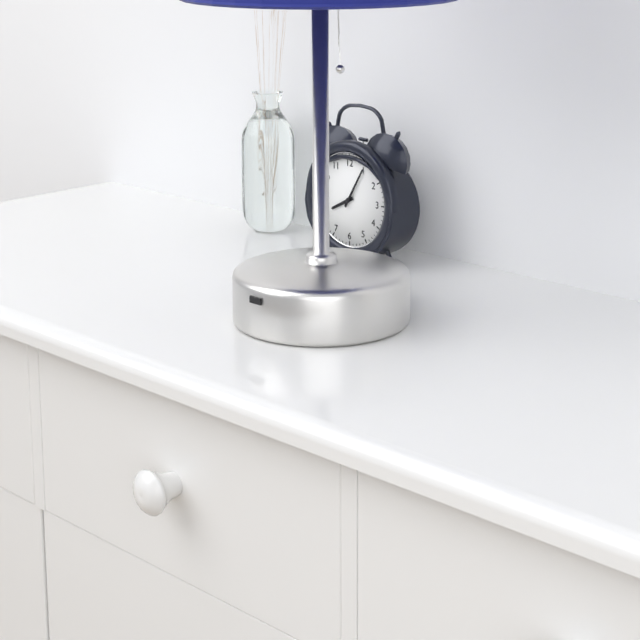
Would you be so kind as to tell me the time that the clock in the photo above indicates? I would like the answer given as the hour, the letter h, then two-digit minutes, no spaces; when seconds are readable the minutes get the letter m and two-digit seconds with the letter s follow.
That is 8h05
